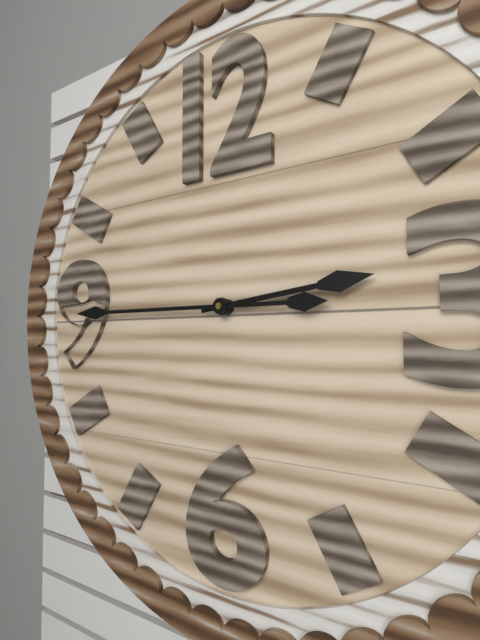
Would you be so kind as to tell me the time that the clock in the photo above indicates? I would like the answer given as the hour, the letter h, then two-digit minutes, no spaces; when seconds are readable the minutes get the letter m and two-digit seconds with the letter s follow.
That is 2h45
